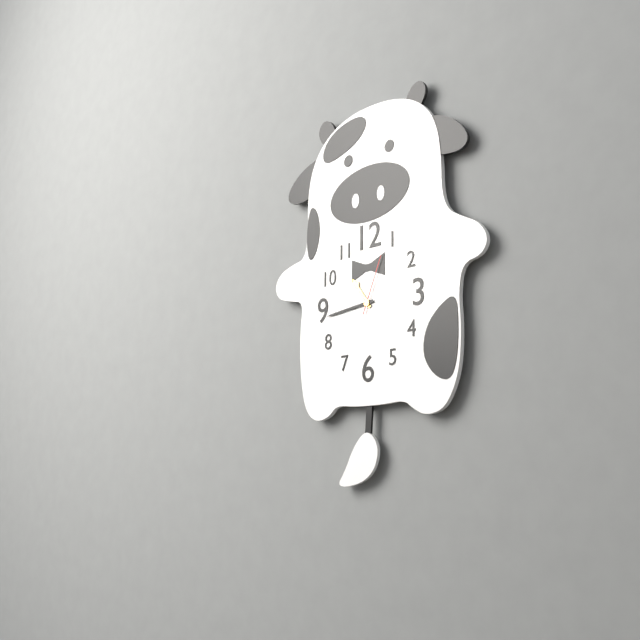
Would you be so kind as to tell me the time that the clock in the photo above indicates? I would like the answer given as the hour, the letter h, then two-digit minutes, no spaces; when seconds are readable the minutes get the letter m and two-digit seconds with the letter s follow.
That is 10h44m04s
